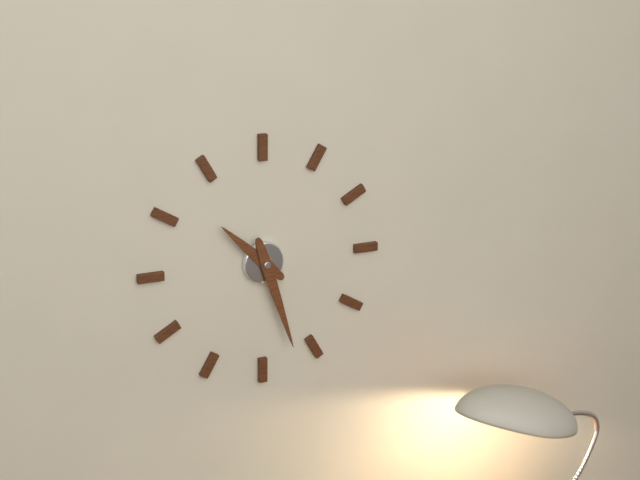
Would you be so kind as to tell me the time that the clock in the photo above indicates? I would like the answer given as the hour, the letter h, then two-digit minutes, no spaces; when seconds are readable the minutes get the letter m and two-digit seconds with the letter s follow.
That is 10h27
